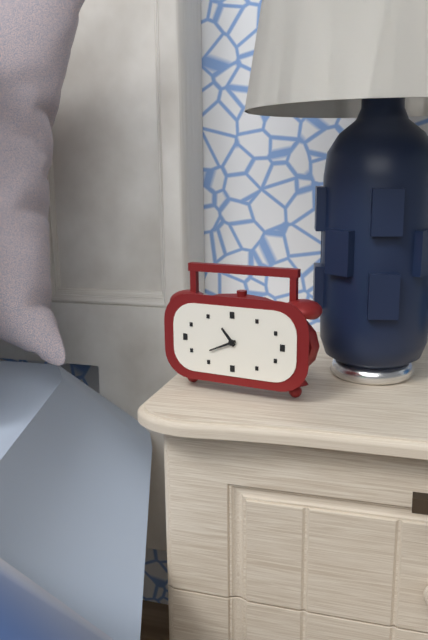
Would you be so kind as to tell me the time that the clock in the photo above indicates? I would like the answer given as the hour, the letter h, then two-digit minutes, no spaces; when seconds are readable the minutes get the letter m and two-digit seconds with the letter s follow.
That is 10h41
